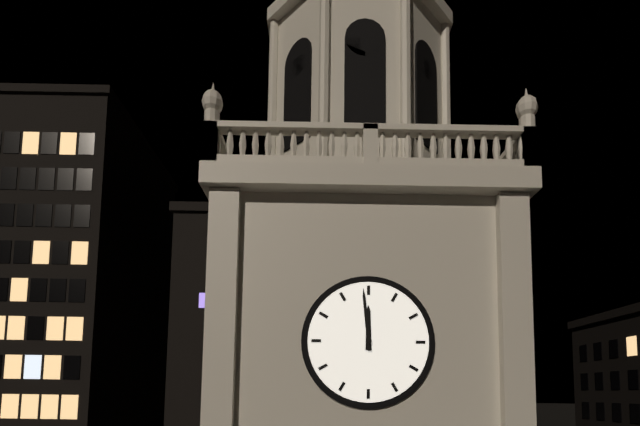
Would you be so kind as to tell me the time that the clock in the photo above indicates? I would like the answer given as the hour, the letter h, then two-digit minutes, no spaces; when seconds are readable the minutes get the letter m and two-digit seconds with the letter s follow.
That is 11h59
